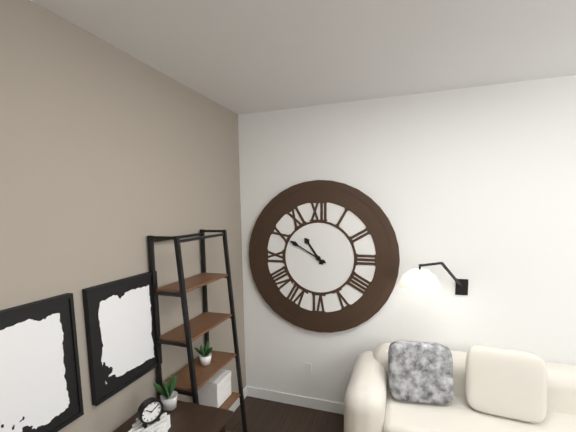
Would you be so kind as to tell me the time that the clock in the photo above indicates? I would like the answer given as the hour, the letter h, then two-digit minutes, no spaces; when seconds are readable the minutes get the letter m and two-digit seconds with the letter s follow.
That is 10h50
